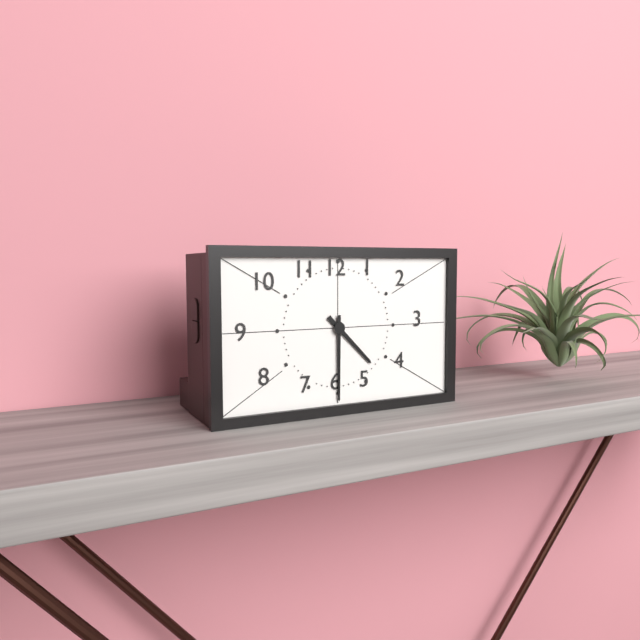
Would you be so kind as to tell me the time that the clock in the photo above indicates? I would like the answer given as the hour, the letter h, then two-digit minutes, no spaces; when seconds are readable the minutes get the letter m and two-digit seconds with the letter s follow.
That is 4h30
